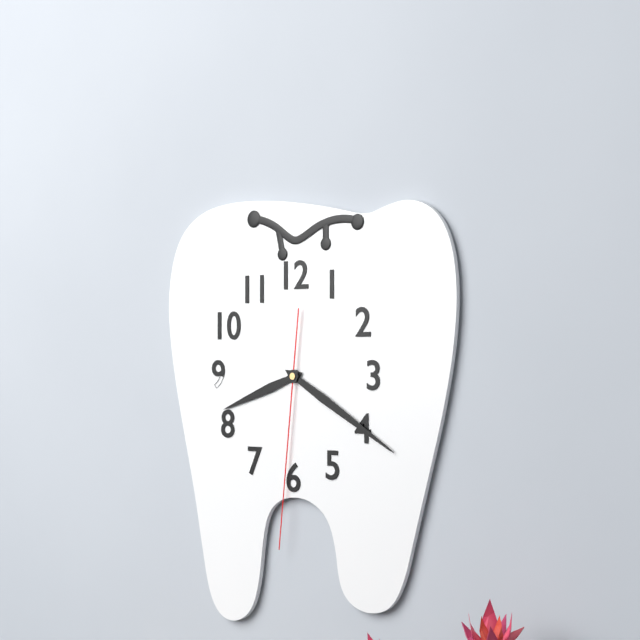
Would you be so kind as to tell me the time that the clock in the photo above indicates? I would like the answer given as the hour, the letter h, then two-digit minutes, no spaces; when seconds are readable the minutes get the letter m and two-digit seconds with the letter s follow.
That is 8h20m31s
